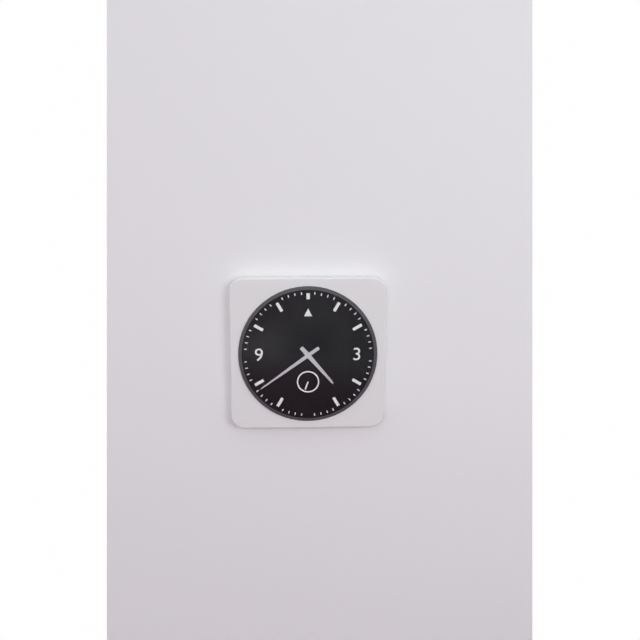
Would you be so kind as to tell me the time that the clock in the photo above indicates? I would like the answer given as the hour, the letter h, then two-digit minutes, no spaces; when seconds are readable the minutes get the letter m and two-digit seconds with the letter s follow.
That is 4h39
